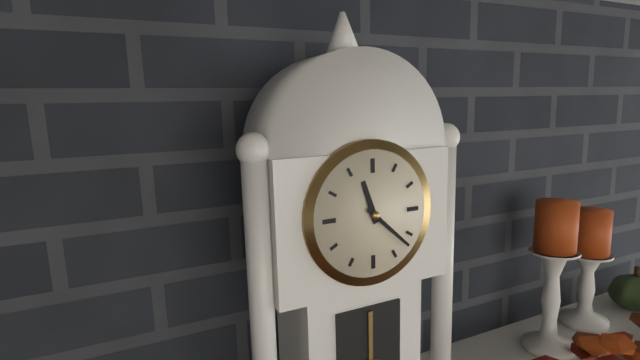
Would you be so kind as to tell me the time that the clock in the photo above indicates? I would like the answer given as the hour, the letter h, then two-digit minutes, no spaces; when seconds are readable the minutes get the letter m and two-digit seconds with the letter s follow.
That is 11h22
